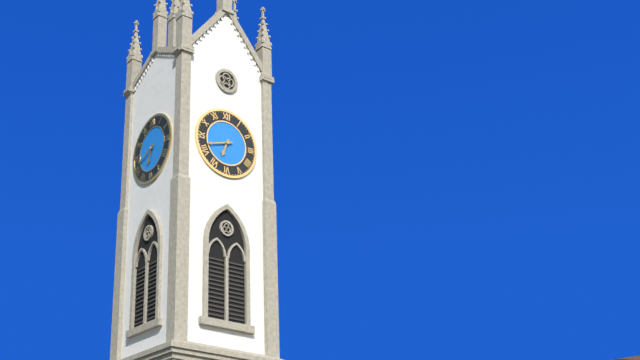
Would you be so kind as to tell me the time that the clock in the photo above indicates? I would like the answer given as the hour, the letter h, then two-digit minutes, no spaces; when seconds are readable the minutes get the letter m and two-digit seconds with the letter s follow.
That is 6h42
